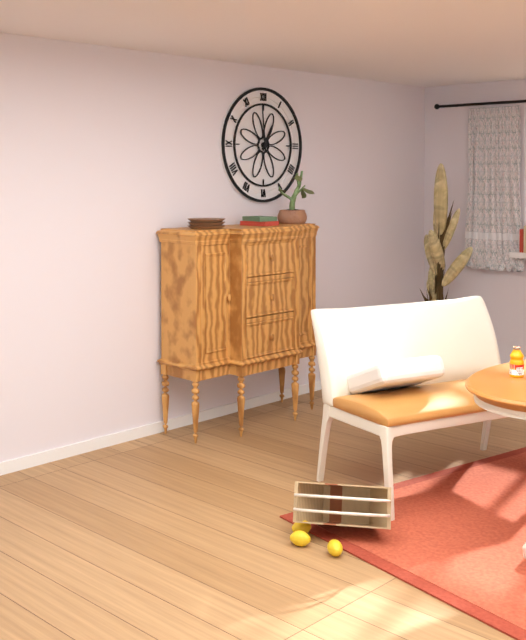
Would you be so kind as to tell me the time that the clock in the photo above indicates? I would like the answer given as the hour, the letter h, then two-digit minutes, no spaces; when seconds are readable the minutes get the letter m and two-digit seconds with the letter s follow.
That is 12h59
